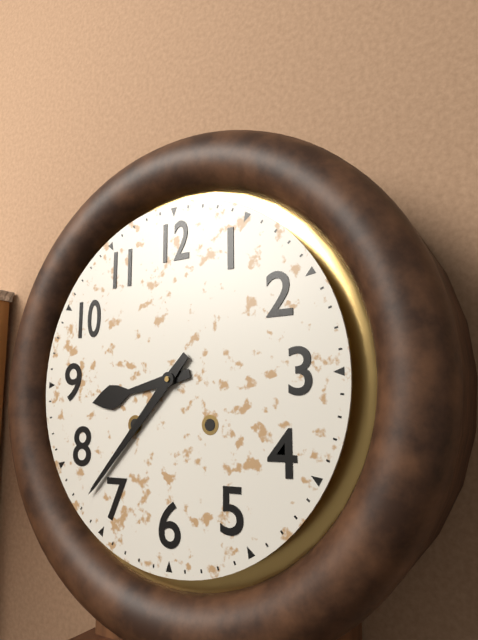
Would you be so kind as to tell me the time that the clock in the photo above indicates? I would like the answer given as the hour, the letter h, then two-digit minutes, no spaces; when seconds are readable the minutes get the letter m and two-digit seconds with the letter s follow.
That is 8h37
